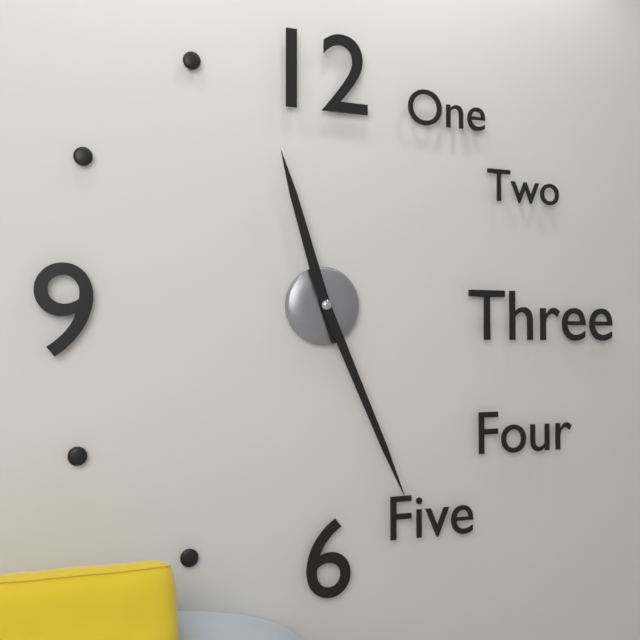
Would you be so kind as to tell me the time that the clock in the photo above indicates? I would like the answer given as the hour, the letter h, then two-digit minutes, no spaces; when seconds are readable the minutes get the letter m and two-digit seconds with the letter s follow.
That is 11h26
